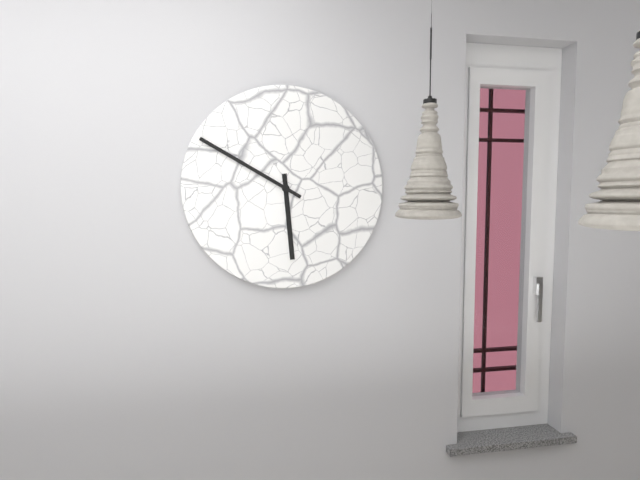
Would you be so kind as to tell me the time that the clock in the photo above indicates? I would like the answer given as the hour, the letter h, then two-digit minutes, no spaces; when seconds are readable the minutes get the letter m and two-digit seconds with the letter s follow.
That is 5h50
